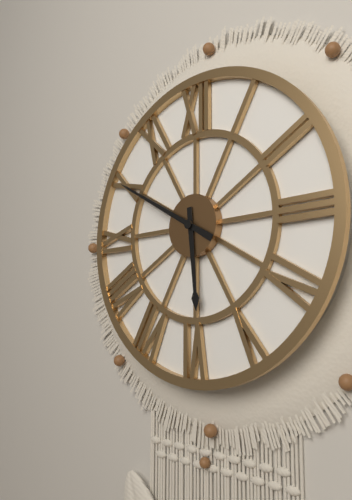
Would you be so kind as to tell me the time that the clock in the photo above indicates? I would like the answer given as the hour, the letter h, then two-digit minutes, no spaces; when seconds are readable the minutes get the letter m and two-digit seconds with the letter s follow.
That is 5h50
